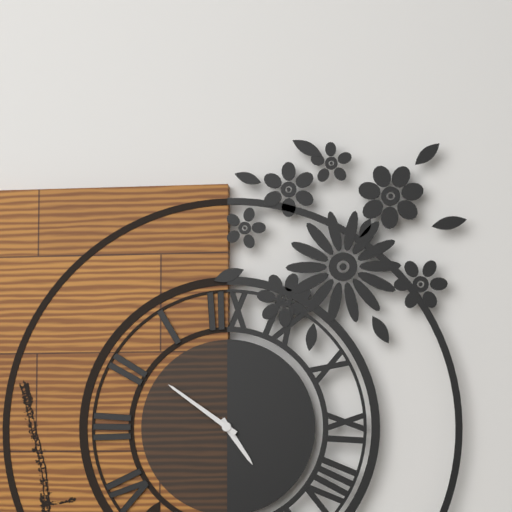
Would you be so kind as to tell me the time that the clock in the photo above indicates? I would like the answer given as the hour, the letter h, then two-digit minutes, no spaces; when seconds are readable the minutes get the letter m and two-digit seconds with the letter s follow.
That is 4h51
